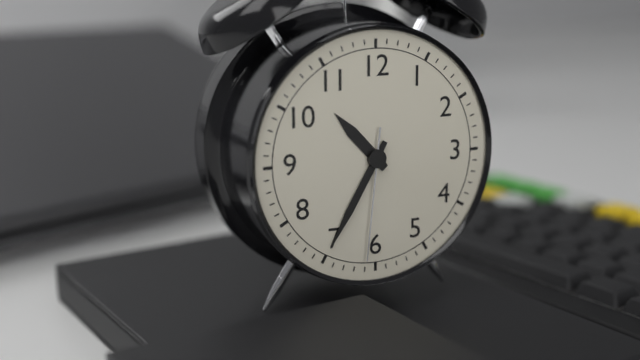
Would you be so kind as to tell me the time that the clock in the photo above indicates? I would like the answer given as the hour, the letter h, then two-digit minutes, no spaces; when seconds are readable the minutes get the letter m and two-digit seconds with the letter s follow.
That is 10h35m31s
